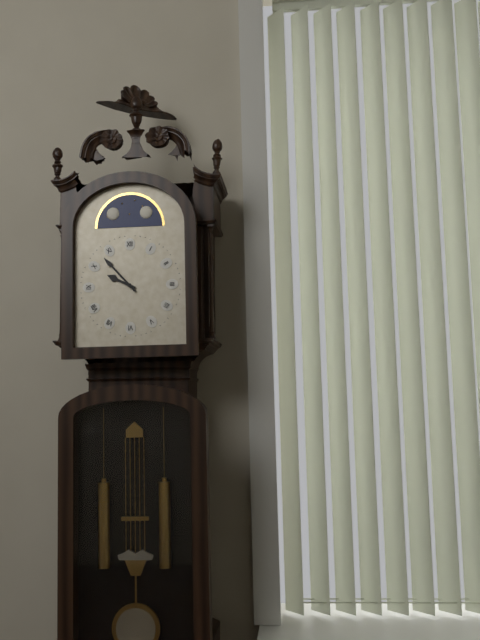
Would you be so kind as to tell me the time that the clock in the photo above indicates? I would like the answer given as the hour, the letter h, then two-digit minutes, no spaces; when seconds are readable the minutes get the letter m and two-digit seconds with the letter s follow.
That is 9h53
